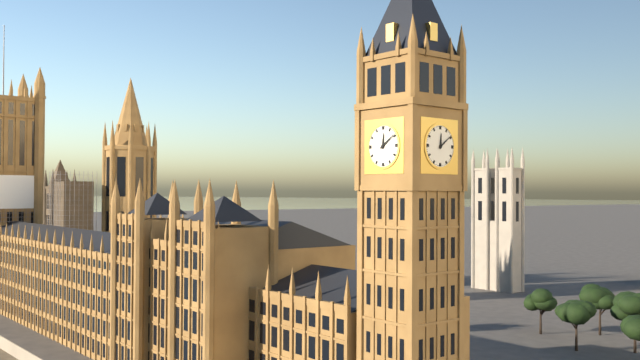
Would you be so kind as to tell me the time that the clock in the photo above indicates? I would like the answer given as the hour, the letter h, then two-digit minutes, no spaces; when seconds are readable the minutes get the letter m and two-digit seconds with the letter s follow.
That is 12h09
